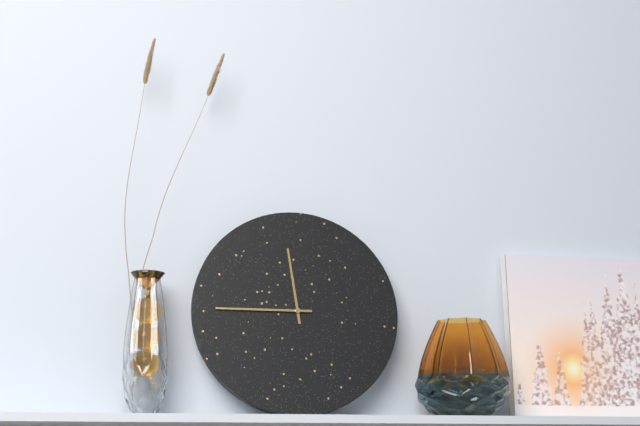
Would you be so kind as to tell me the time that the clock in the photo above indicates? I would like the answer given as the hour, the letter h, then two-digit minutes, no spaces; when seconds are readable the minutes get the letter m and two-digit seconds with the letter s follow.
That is 11h45
